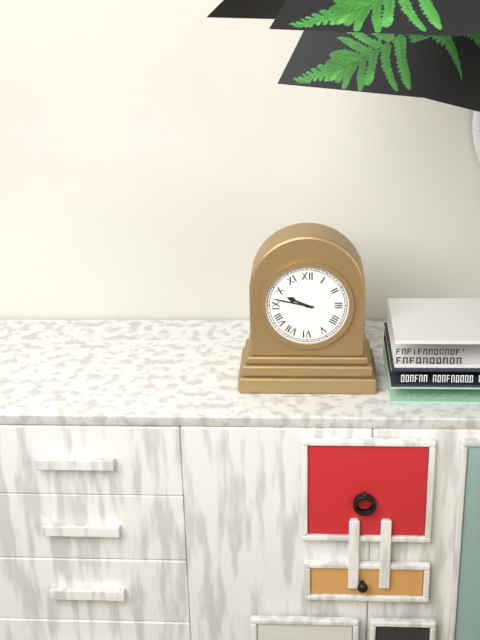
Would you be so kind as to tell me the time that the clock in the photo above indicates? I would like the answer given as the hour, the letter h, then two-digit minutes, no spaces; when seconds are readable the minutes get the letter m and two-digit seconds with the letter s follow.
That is 9h47
